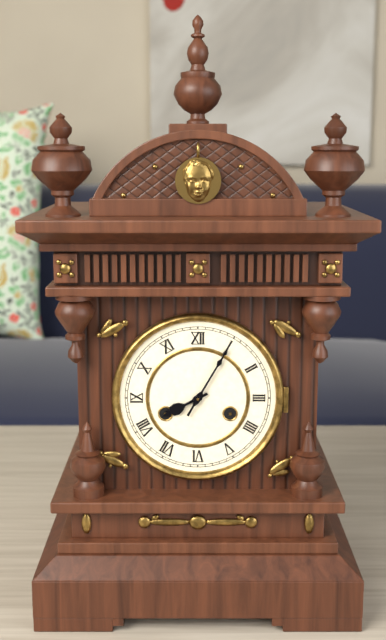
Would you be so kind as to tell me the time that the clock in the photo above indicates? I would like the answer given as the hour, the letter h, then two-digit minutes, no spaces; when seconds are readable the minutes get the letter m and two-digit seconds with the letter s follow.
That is 8h05
